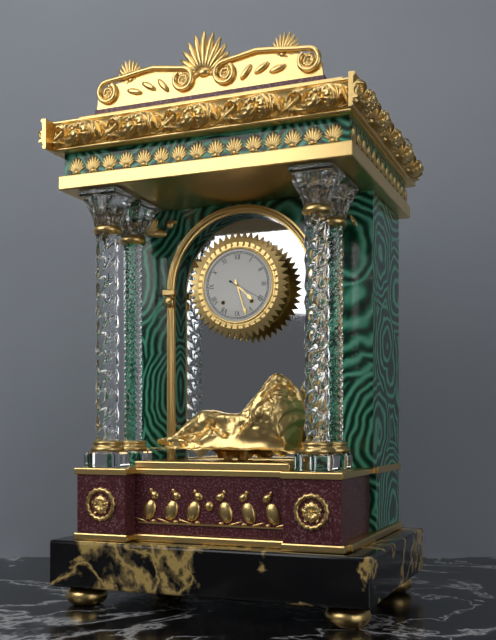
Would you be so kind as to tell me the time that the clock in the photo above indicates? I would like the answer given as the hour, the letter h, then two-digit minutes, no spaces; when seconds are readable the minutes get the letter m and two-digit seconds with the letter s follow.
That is 4h27
